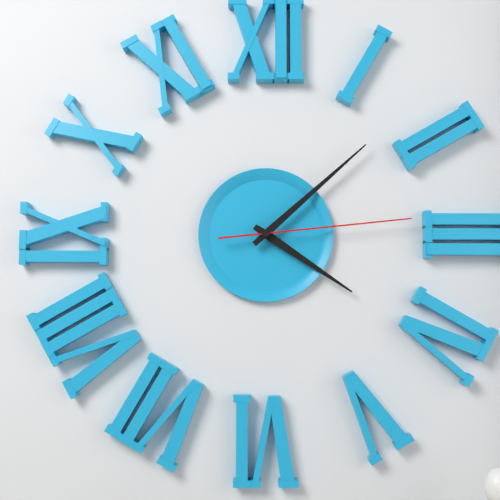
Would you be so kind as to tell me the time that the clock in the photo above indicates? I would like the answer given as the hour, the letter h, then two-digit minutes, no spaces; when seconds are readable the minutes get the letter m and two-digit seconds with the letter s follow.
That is 4h08m14s
